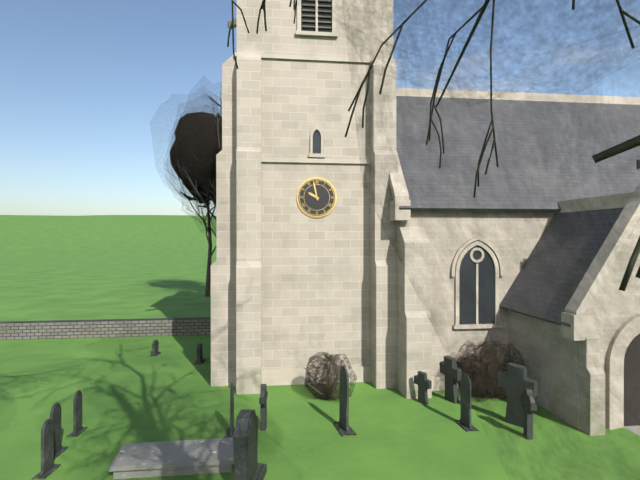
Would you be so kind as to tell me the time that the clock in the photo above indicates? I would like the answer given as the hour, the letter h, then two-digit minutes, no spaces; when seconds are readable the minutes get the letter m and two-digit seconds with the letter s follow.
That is 9h58
